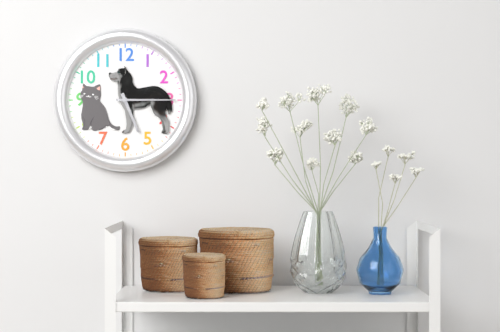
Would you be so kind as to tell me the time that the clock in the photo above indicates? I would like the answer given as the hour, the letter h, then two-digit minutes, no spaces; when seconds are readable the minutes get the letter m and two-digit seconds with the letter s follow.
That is 5h15
